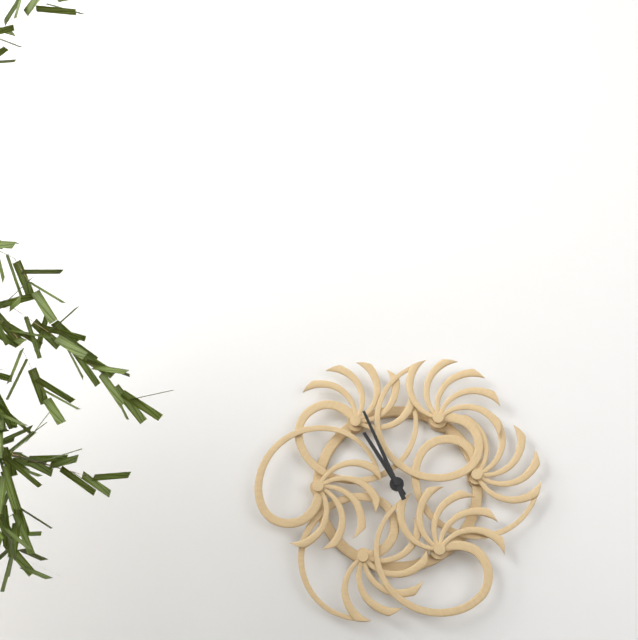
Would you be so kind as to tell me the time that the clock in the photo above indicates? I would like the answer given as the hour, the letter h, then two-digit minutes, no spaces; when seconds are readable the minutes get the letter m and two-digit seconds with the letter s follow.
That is 10h56
